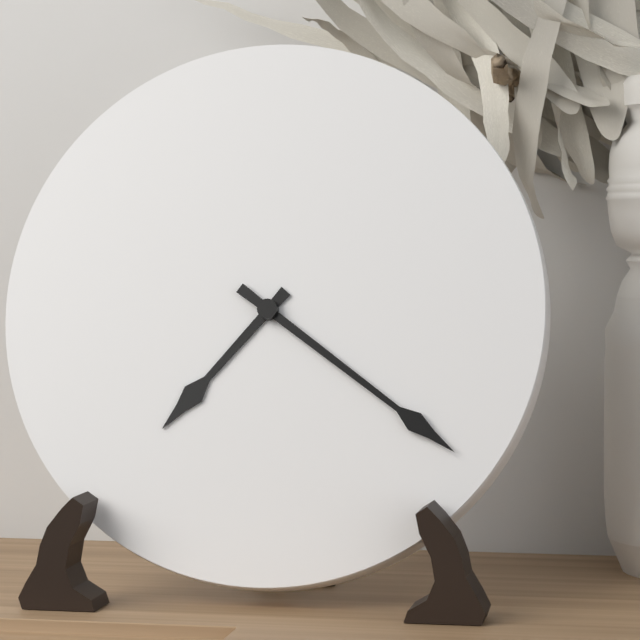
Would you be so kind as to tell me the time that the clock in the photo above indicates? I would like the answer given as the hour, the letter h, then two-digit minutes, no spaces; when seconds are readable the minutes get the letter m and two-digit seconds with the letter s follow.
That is 7h21
